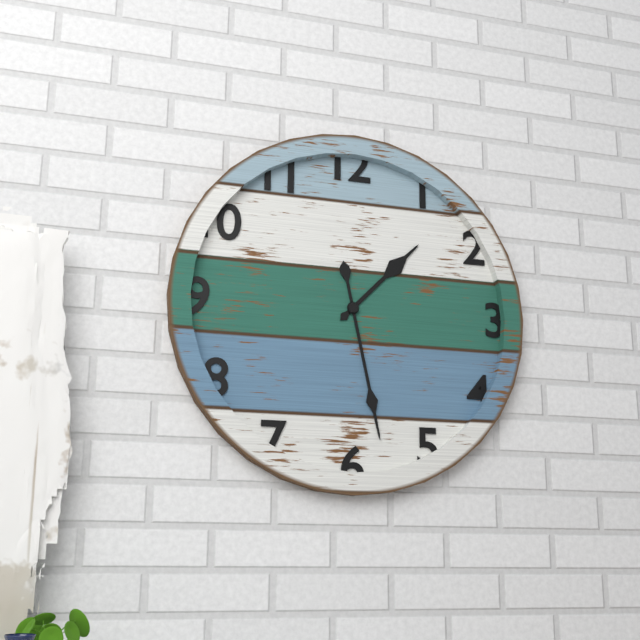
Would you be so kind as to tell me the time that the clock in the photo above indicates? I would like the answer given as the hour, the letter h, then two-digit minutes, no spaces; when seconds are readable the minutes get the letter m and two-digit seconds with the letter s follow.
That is 1h28
